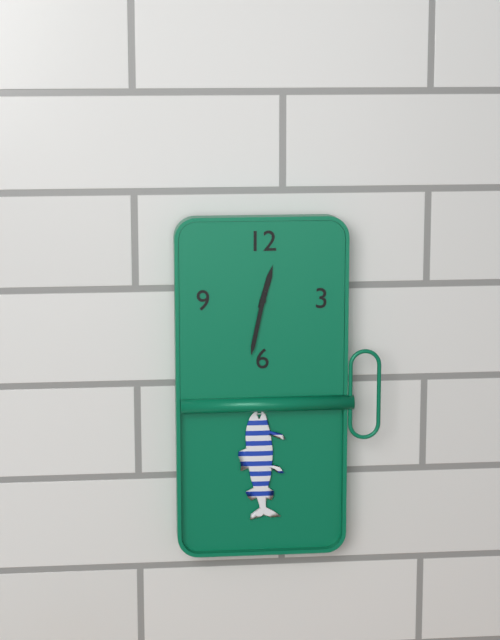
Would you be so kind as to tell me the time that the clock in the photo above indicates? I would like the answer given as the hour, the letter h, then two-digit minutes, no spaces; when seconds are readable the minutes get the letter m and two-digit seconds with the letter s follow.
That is 12h32
